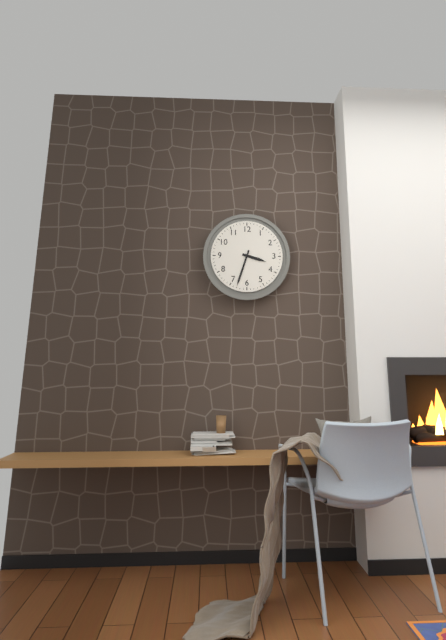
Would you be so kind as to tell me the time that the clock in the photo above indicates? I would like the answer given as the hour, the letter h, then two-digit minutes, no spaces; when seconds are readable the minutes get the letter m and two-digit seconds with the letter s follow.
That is 3h33
